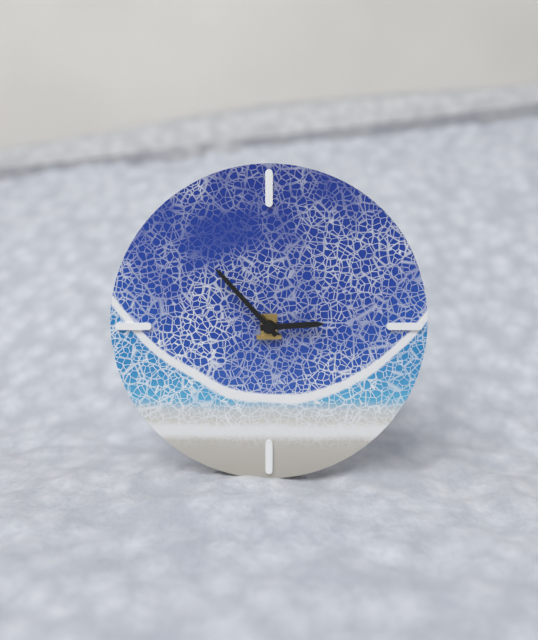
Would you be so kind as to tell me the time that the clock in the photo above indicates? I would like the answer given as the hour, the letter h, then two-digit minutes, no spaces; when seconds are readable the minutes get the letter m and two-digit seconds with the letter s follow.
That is 2h53
